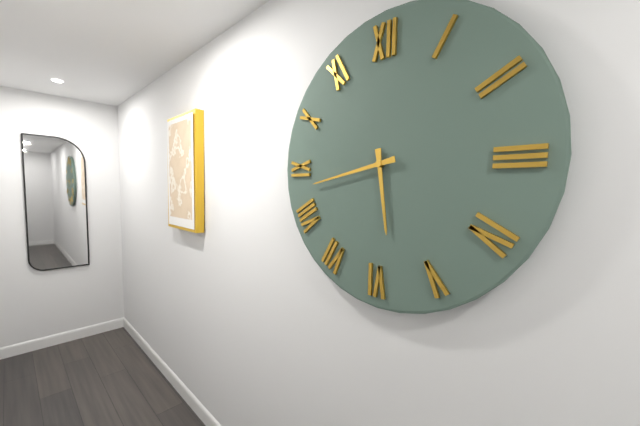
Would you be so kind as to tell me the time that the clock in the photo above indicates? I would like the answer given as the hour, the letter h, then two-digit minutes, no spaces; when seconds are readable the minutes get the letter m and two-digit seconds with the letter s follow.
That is 5h43
